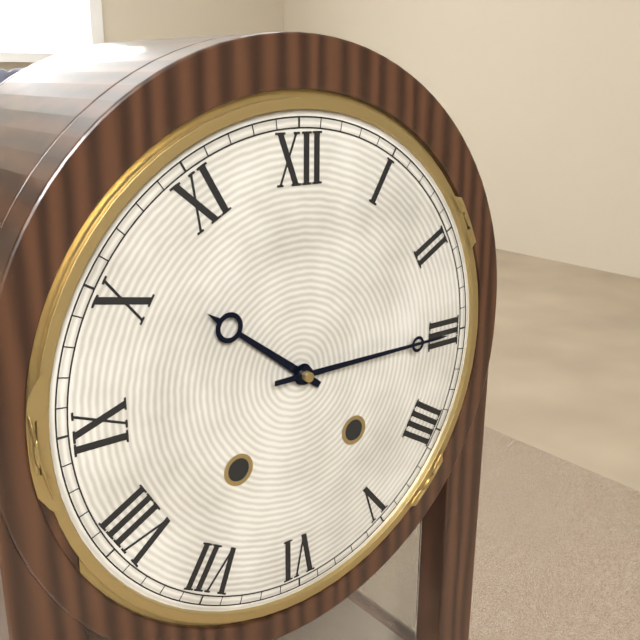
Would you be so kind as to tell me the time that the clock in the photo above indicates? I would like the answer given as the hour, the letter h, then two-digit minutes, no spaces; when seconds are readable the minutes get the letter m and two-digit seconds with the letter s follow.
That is 10h15
